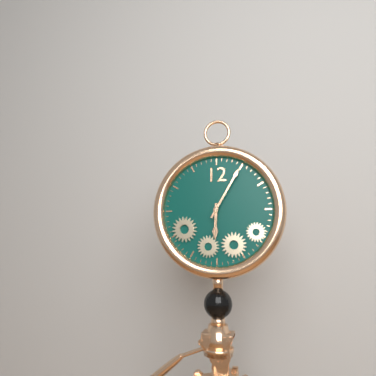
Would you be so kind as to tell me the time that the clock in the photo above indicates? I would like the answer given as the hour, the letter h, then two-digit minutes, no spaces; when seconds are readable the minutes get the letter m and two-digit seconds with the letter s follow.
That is 6h05
